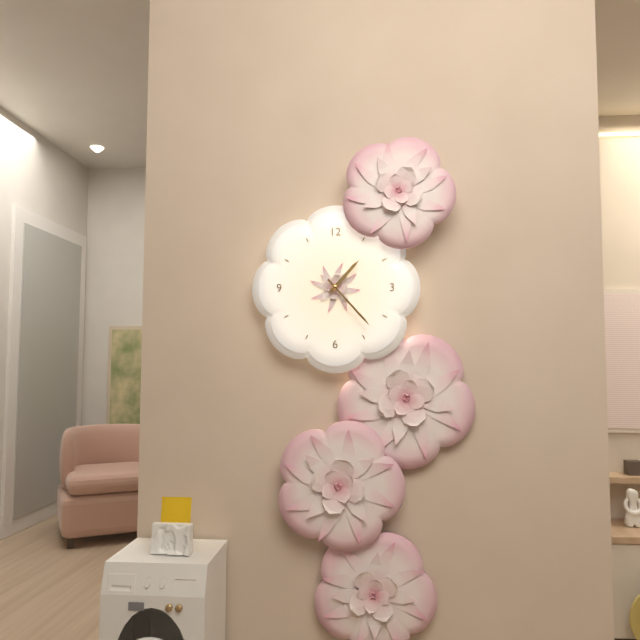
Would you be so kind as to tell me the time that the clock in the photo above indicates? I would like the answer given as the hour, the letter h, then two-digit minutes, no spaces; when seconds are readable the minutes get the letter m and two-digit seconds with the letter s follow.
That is 1h23
